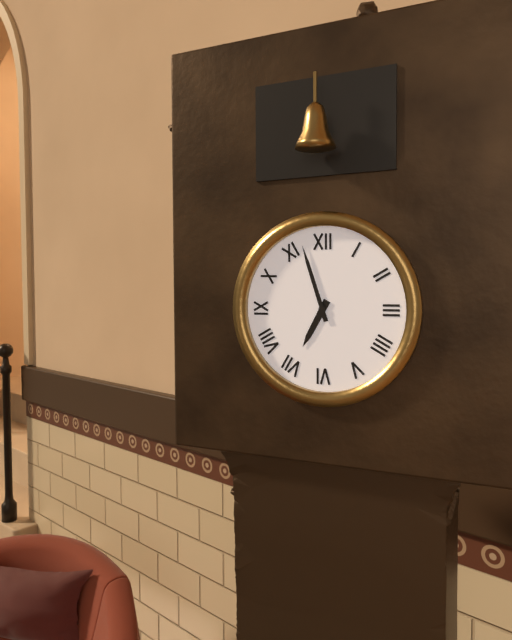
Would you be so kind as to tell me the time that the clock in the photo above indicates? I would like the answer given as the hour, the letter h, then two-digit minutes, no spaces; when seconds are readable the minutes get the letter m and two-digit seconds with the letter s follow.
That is 6h57
